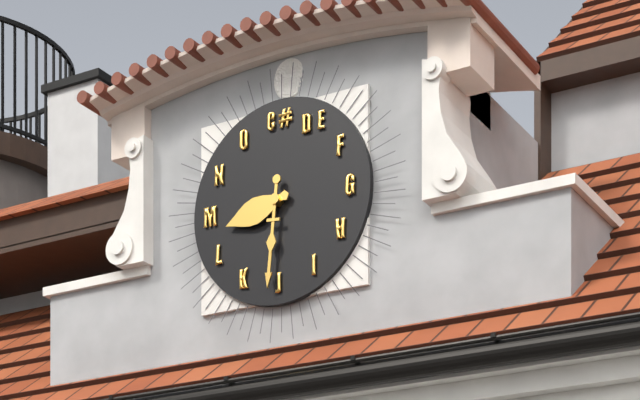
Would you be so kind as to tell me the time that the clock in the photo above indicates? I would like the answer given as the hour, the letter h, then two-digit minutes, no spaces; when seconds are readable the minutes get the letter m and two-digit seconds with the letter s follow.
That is 8h31
